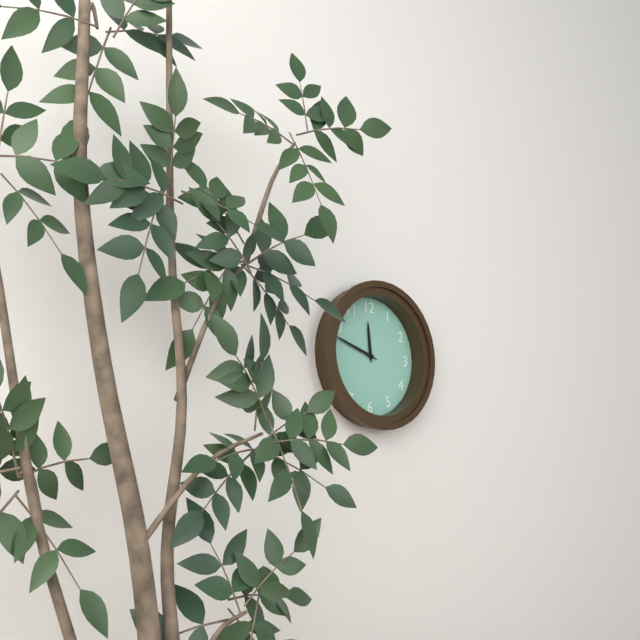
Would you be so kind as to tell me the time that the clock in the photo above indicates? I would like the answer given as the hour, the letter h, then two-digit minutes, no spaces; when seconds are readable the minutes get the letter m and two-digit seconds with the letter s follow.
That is 11h48
